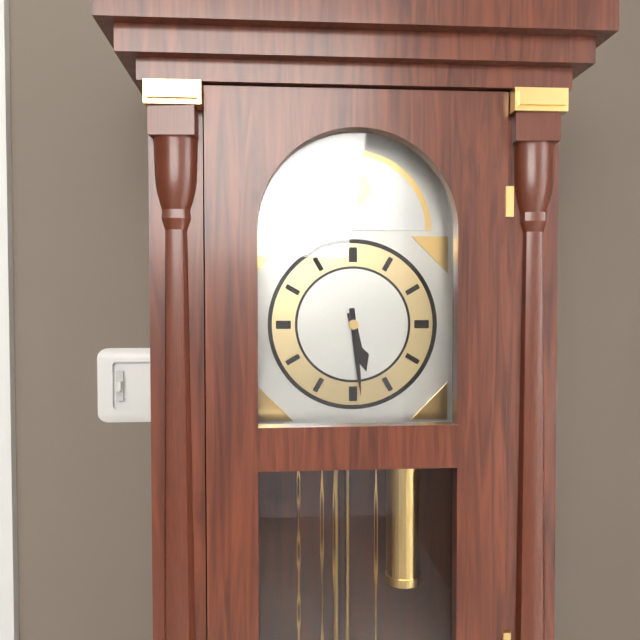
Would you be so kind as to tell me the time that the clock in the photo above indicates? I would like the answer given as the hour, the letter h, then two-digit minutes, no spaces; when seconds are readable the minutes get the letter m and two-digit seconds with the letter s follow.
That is 5h29
